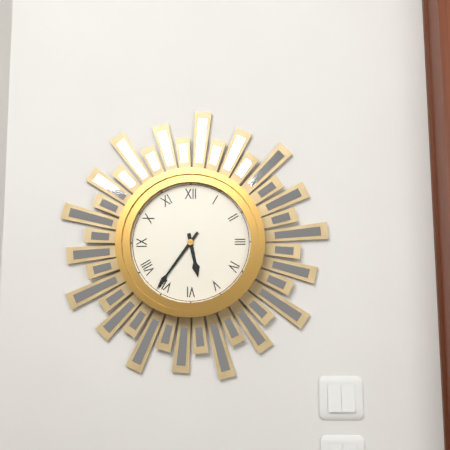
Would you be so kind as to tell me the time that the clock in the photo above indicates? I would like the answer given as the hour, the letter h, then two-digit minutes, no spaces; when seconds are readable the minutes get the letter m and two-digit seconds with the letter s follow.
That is 5h36
